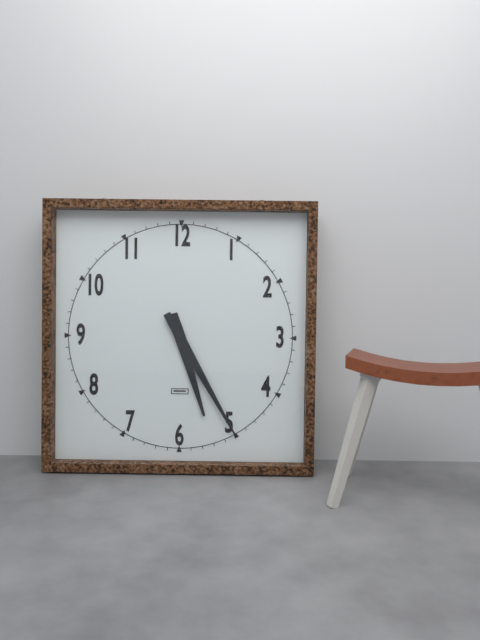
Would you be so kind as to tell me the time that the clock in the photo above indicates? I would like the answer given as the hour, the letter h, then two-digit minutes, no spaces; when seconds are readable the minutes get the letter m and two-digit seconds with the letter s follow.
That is 5h25
